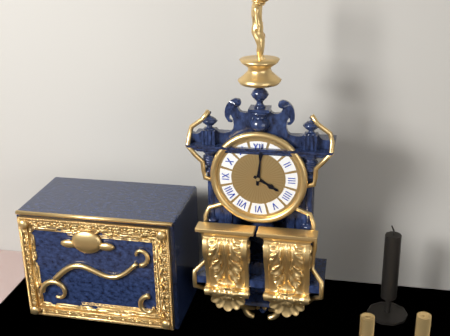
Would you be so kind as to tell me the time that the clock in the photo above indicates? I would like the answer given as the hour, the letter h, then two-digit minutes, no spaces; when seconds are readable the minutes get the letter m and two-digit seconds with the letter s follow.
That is 4h01
